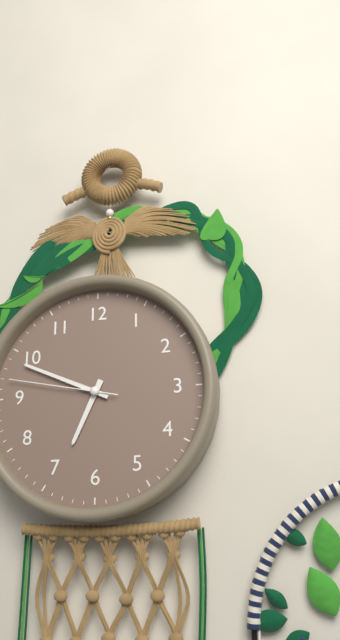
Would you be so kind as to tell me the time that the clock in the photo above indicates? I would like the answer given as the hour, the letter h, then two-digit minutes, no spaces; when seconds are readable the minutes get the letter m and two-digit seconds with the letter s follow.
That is 6h49m47s
